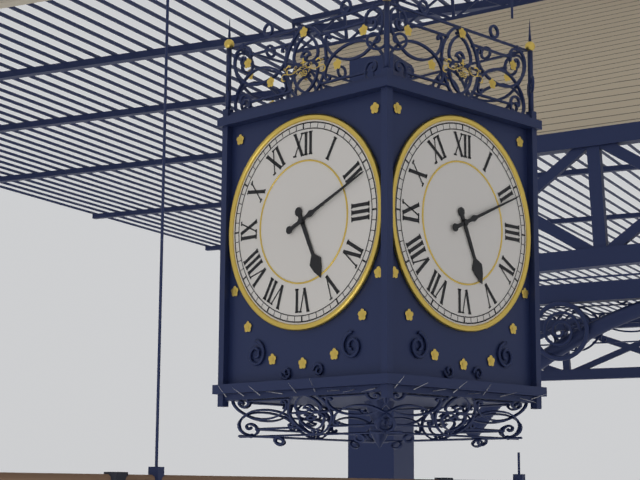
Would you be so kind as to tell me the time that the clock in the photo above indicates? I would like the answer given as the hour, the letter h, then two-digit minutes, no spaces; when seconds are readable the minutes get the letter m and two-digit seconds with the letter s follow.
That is 5h11
